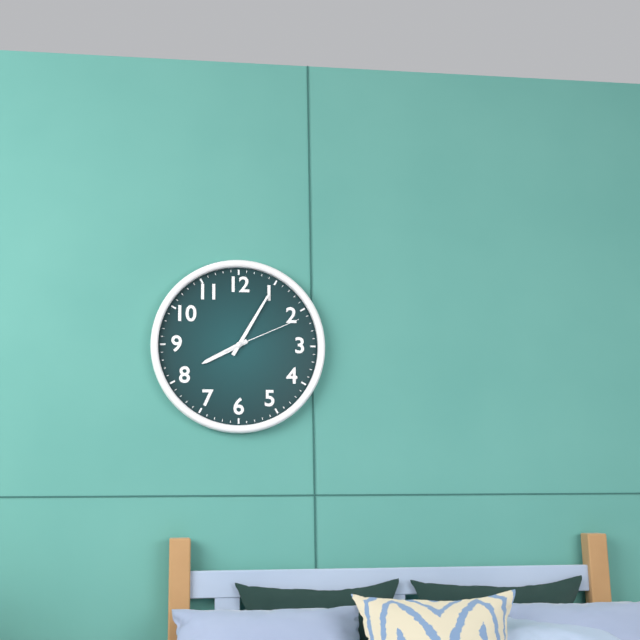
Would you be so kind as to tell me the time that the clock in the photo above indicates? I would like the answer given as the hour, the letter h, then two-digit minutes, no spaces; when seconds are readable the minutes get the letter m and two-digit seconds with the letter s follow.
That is 8h05m11s
